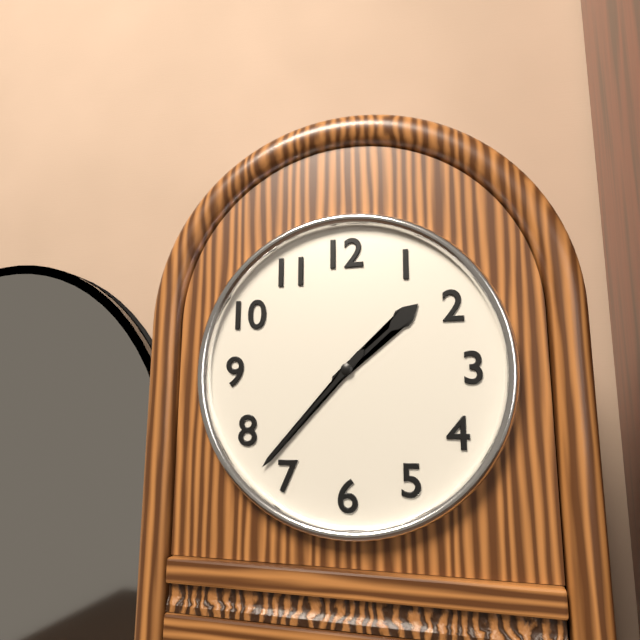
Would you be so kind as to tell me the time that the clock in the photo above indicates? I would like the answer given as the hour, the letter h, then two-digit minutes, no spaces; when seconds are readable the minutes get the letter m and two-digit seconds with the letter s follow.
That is 1h37
